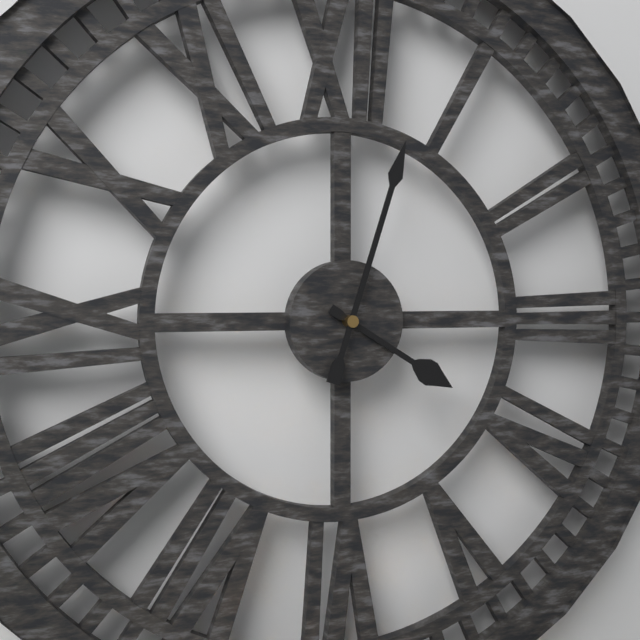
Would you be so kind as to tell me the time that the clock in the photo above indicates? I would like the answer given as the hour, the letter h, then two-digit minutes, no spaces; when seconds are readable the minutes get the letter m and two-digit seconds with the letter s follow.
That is 4h03
